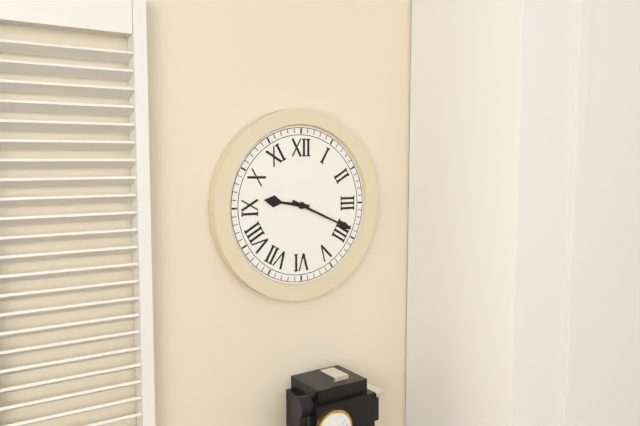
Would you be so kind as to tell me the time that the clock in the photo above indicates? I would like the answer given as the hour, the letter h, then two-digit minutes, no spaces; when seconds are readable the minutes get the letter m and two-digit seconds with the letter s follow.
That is 9h19
